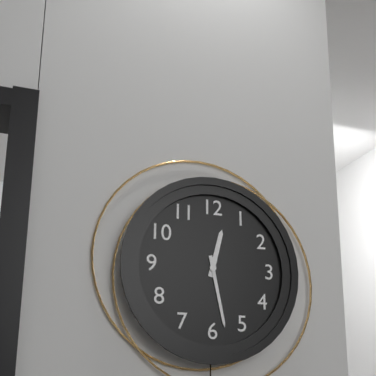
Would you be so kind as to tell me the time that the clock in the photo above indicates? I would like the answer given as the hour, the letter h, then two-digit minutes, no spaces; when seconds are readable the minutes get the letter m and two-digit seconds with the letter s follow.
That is 12h28
